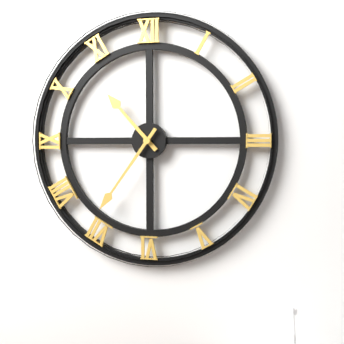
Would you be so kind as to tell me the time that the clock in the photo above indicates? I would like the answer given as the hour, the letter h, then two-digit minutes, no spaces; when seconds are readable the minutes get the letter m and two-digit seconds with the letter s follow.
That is 10h36
